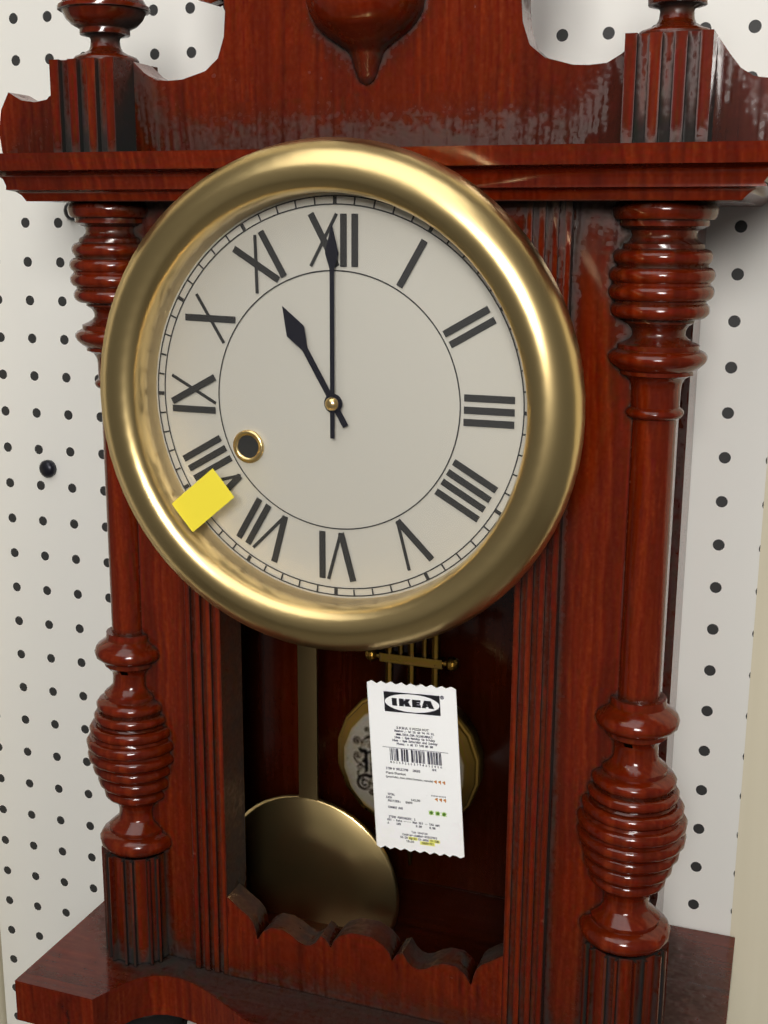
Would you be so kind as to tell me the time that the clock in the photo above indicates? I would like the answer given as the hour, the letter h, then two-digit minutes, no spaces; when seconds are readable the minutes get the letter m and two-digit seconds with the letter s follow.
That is 11h00
